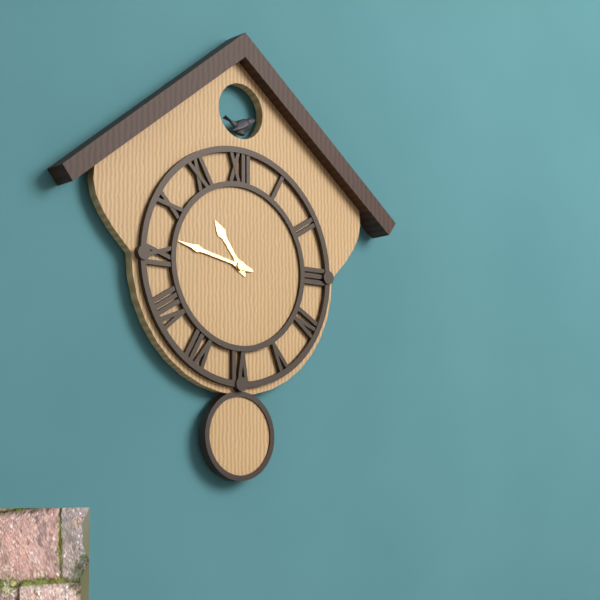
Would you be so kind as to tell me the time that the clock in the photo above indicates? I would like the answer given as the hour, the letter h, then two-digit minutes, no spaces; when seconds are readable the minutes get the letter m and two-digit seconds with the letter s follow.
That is 10h47
